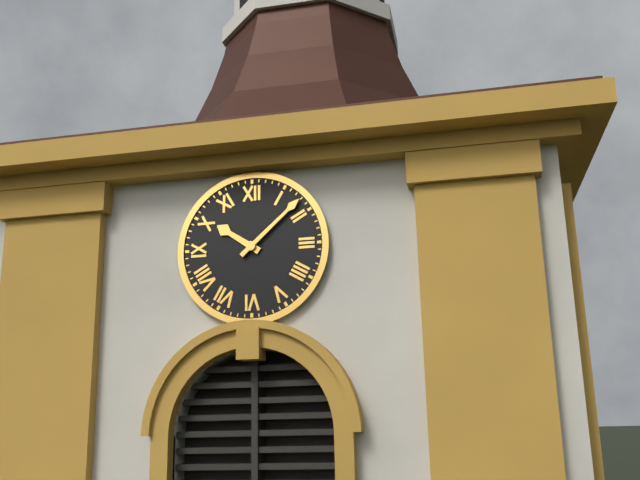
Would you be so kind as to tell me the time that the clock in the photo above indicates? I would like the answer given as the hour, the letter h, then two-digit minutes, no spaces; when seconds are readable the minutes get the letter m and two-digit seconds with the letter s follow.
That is 10h08
